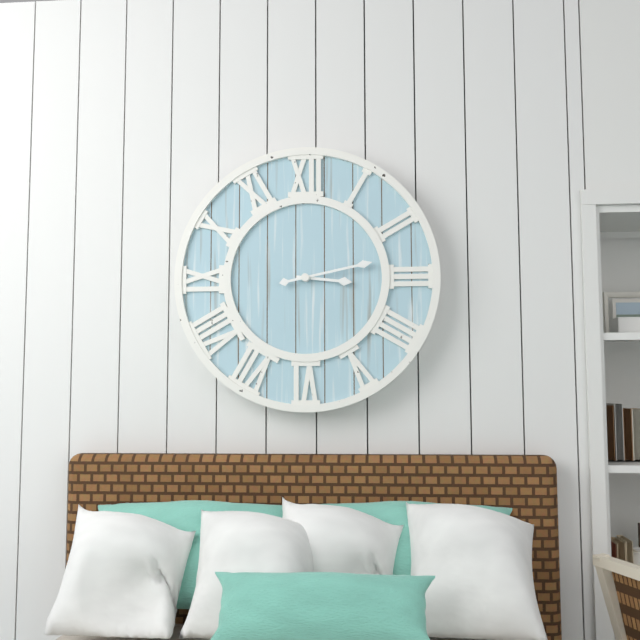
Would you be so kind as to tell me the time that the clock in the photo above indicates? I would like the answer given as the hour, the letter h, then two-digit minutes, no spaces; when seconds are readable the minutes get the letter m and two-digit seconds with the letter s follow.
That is 3h13
